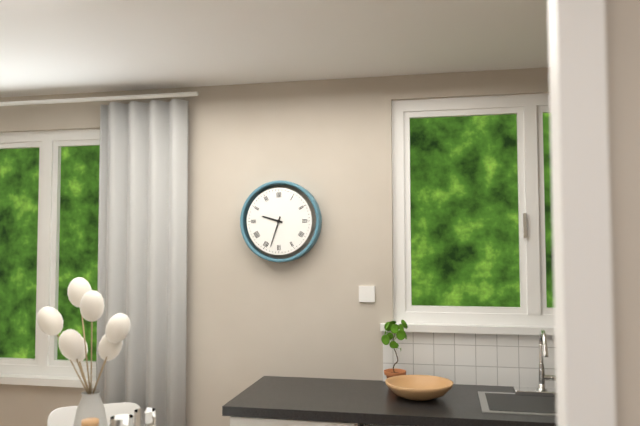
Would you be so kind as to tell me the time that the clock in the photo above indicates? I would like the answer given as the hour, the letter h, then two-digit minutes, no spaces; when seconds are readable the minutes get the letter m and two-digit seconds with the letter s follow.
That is 9h33
